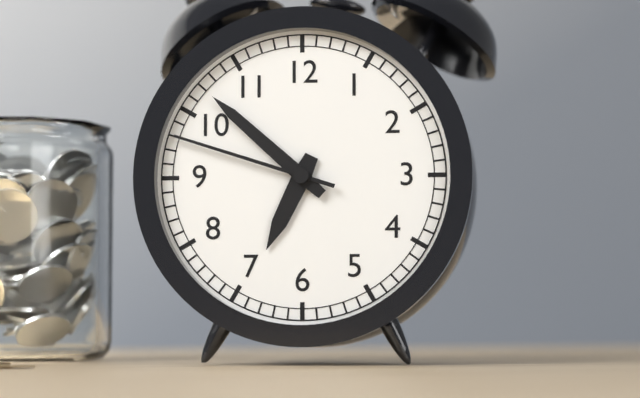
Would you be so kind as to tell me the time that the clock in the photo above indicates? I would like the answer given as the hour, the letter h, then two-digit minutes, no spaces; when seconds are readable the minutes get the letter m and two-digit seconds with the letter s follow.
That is 6h52m48s
